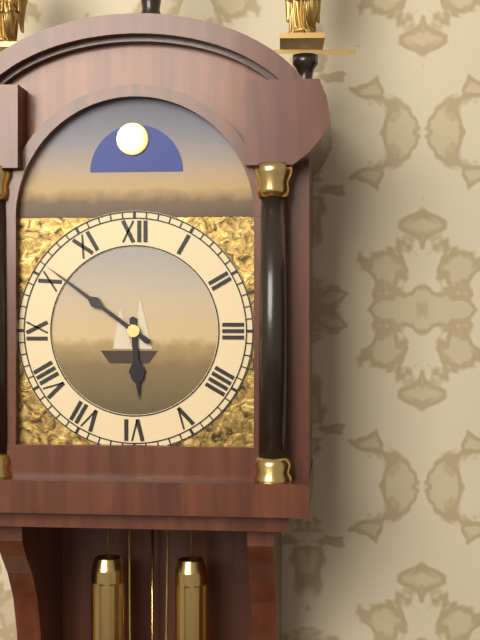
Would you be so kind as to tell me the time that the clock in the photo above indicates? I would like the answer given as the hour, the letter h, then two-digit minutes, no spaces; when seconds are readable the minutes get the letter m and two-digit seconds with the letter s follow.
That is 5h51
